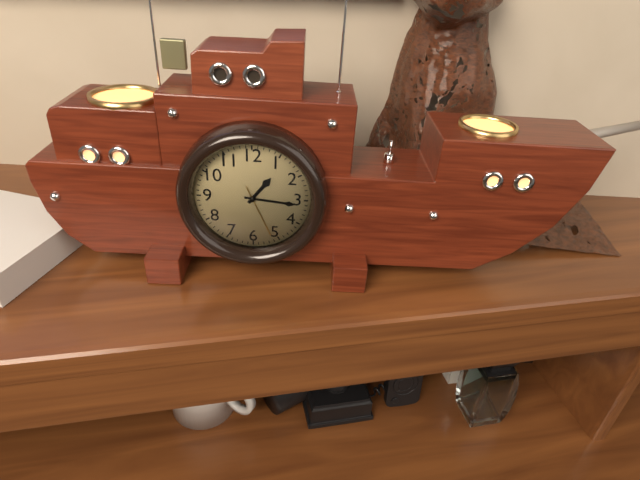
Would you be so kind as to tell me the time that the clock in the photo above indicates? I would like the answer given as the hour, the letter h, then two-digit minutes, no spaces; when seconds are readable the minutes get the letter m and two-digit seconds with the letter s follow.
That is 1h16m26s
